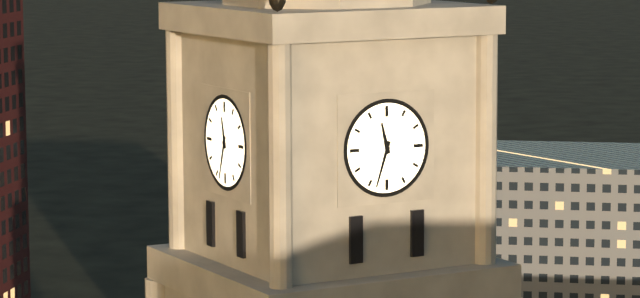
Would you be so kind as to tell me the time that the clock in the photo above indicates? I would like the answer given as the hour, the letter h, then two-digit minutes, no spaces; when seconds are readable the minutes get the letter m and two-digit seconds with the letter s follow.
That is 11h33
